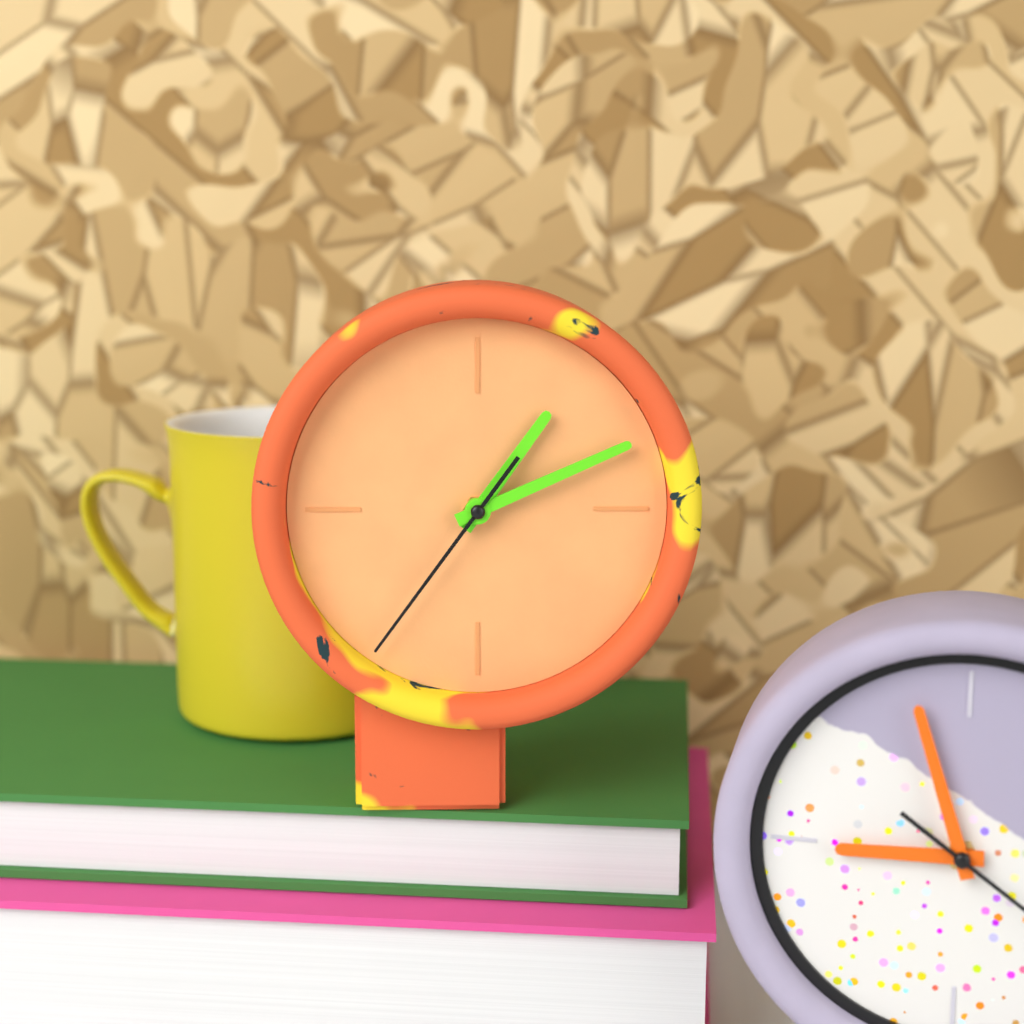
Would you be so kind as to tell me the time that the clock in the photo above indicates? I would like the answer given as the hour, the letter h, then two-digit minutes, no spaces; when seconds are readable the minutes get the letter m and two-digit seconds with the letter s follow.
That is 1h11m36s
